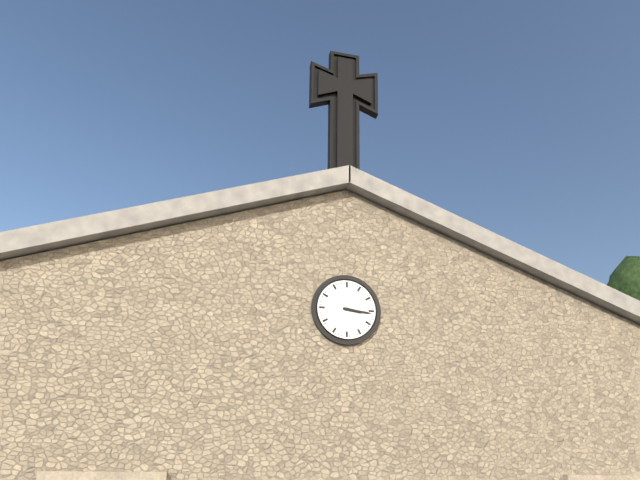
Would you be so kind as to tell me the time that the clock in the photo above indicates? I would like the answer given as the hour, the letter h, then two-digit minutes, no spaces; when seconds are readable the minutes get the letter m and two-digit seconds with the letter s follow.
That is 3h16
